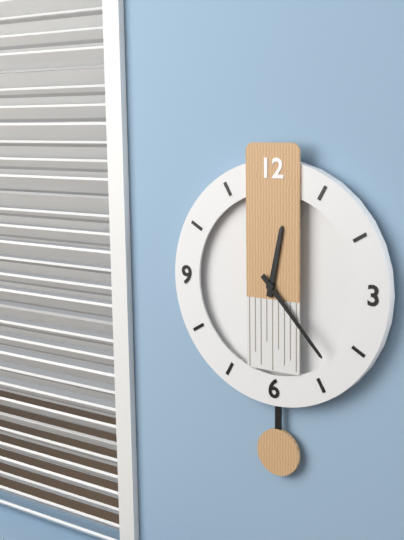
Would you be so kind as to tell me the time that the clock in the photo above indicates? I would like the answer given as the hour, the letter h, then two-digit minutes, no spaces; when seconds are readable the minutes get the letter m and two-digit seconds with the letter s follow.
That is 12h23
